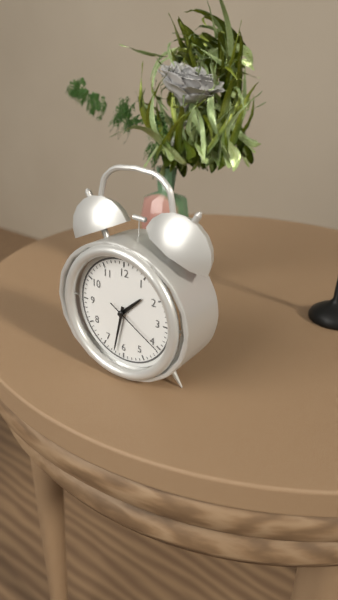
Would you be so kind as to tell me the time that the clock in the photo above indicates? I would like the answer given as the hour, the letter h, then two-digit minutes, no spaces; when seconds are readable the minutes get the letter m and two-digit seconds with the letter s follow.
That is 1h32m20s
